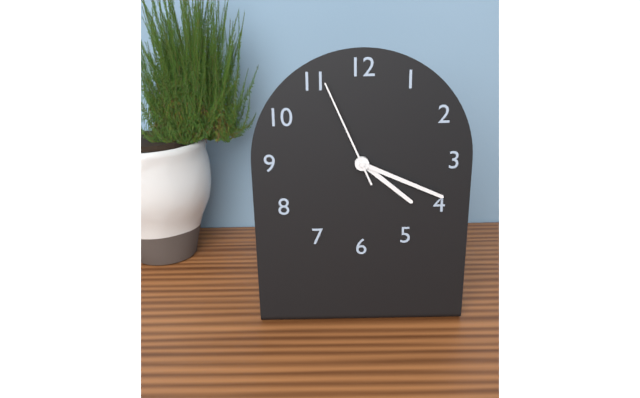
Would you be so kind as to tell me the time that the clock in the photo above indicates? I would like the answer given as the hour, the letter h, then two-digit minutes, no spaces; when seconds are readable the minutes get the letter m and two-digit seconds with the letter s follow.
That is 4h19m56s
